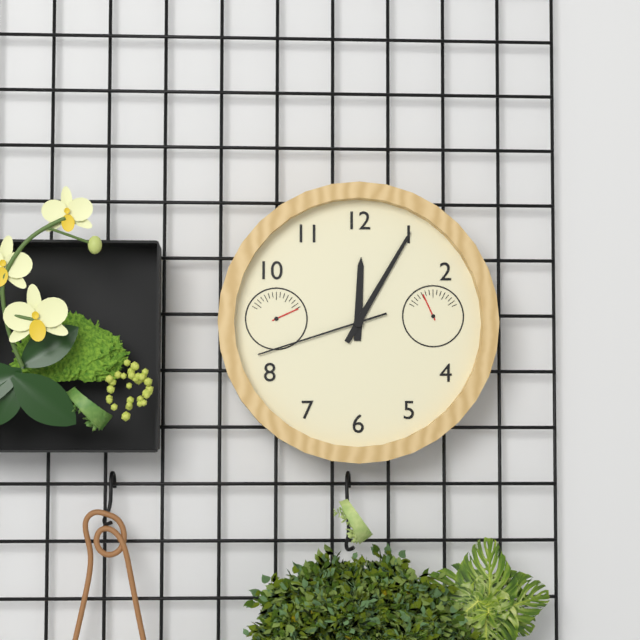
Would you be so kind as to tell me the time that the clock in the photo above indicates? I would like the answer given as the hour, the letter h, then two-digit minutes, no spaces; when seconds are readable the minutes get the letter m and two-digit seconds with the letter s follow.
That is 12h05m42s
